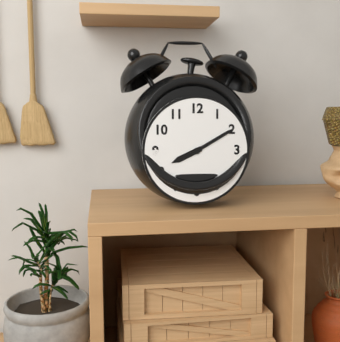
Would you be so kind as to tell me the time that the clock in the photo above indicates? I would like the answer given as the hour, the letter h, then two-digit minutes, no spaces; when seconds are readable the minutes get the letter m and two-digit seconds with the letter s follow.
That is 8h10
